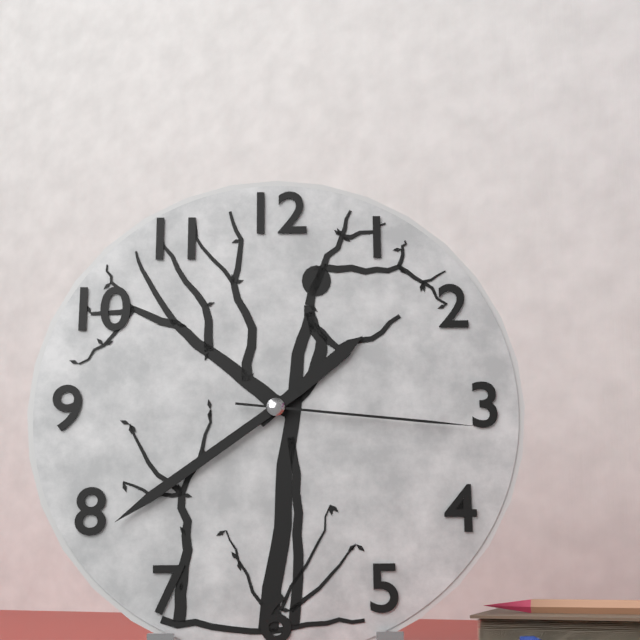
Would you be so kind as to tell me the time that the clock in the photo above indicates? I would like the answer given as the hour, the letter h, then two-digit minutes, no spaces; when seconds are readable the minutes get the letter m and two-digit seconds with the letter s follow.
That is 1h39m16s
